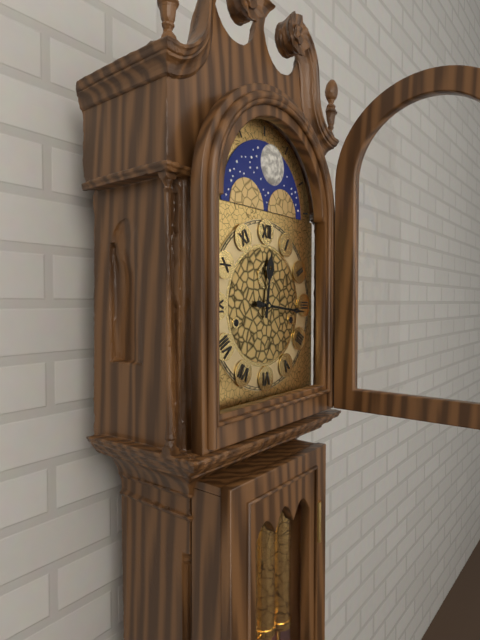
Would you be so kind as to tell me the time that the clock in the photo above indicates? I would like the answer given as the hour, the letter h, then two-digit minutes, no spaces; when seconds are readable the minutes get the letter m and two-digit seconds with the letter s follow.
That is 12h16
